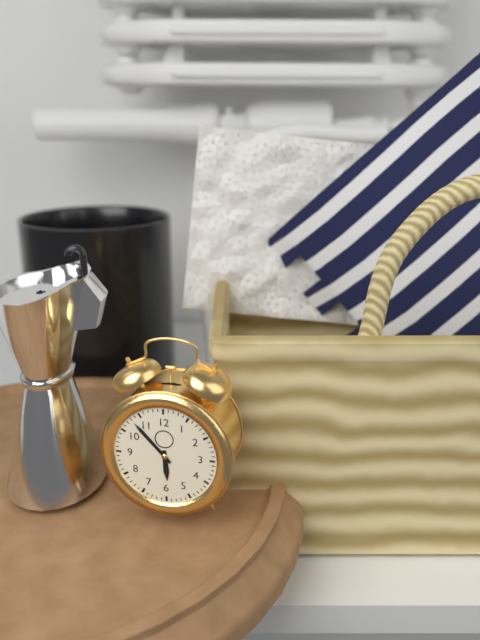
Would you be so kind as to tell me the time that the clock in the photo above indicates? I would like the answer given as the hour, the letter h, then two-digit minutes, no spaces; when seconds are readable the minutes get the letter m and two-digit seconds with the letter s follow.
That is 5h53
